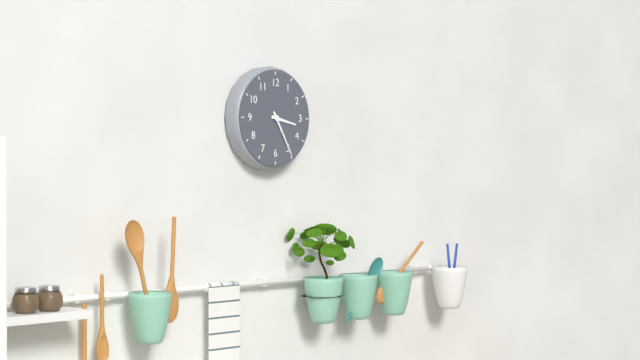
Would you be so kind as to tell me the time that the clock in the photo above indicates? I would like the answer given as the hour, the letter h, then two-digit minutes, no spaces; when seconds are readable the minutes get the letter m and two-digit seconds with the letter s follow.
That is 3h25
